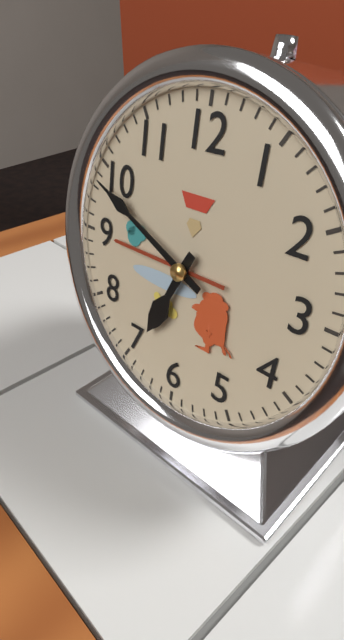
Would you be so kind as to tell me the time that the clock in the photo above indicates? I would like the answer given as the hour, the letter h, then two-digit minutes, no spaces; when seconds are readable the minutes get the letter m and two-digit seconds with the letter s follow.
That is 6h49
